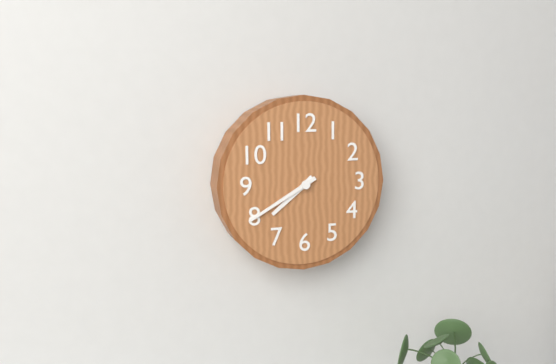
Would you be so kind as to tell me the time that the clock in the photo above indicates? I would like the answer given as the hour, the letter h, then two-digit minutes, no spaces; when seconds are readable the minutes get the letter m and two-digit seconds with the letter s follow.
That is 7h40
